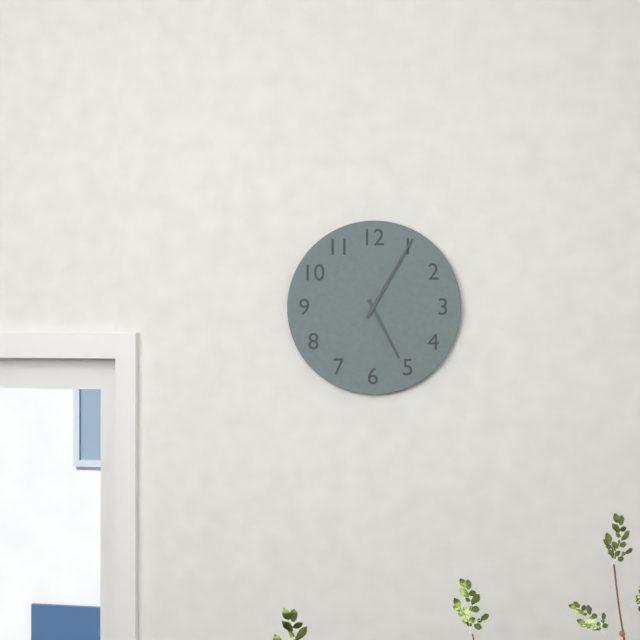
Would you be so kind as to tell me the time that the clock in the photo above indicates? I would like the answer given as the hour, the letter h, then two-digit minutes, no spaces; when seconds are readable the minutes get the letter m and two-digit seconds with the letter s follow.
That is 5h05
